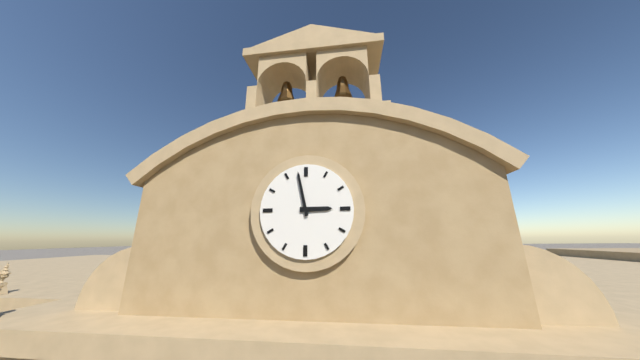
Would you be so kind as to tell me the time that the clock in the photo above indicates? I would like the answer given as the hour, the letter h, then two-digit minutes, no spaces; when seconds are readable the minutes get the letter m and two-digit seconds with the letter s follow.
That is 2h58
